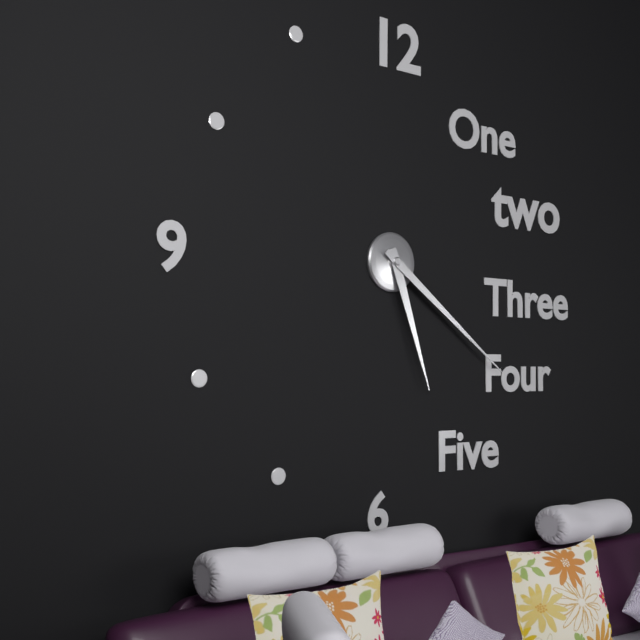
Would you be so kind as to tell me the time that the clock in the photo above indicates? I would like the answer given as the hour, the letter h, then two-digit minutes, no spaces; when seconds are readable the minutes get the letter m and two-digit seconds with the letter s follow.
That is 5h21
